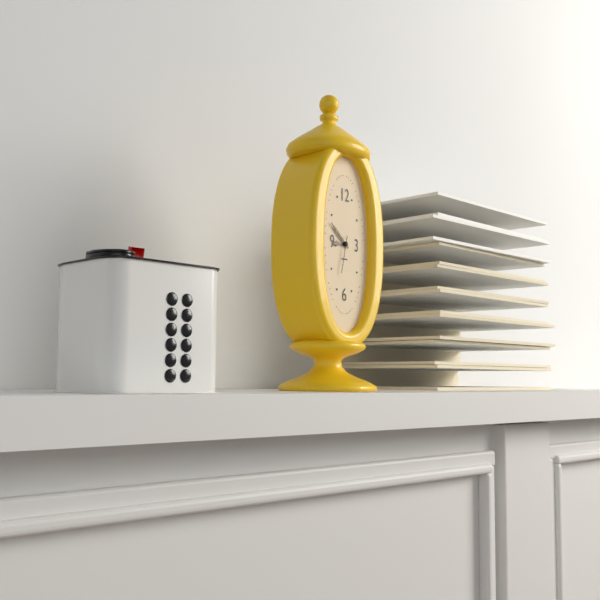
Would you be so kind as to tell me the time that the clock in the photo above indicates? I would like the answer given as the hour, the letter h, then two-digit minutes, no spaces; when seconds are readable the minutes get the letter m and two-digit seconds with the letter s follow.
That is 8h52
